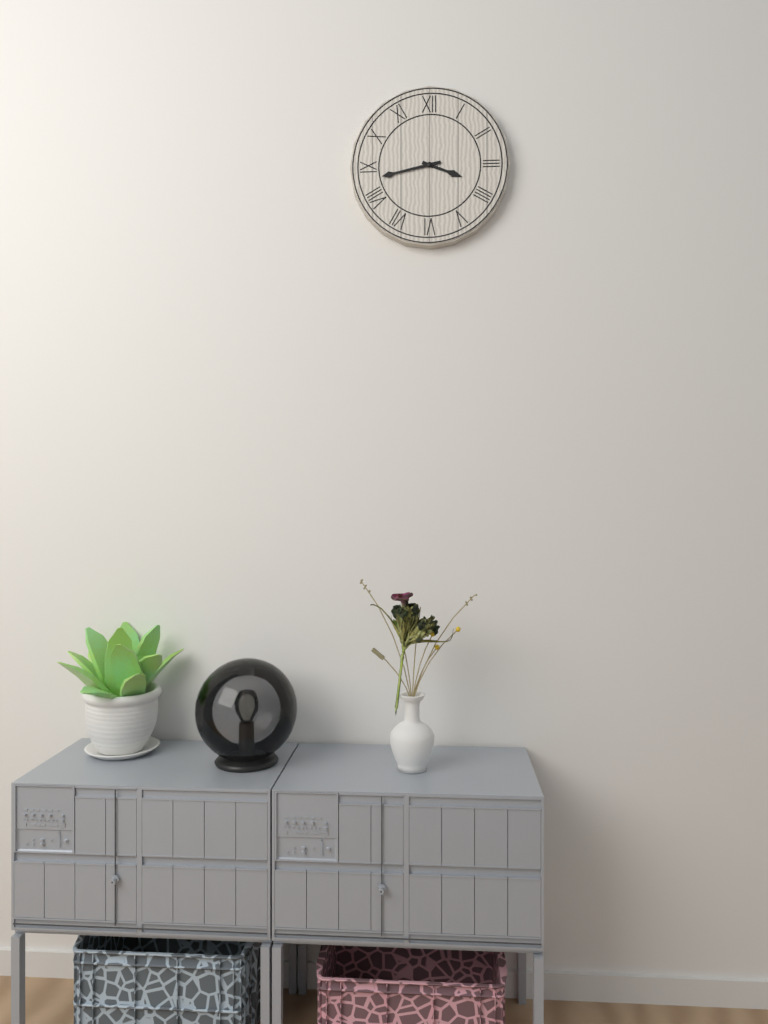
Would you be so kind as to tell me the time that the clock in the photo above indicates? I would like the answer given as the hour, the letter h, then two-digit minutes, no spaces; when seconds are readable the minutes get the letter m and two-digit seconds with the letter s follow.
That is 3h43
